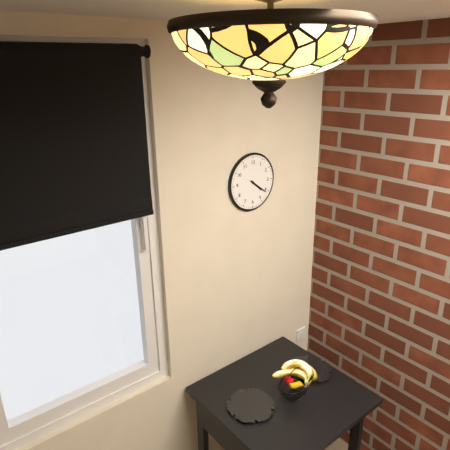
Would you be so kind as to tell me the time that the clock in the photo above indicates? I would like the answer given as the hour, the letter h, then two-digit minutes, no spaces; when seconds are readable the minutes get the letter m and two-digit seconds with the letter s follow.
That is 4h21
